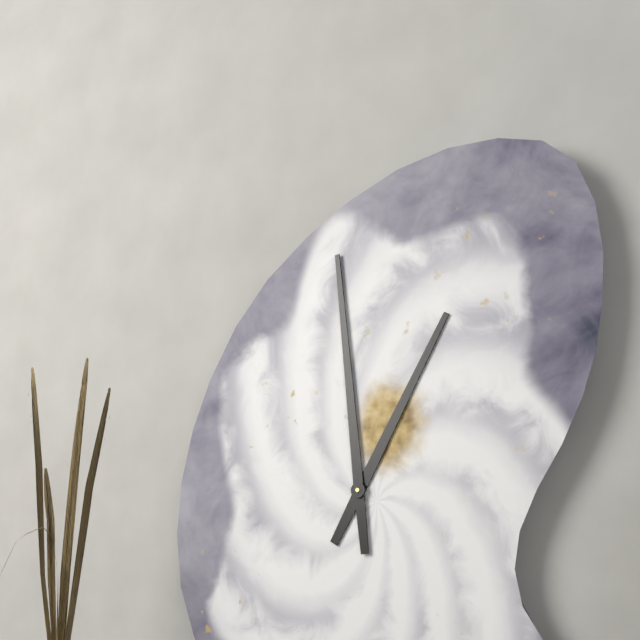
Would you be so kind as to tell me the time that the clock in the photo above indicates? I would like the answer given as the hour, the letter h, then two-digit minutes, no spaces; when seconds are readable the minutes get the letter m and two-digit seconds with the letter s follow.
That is 12h59
